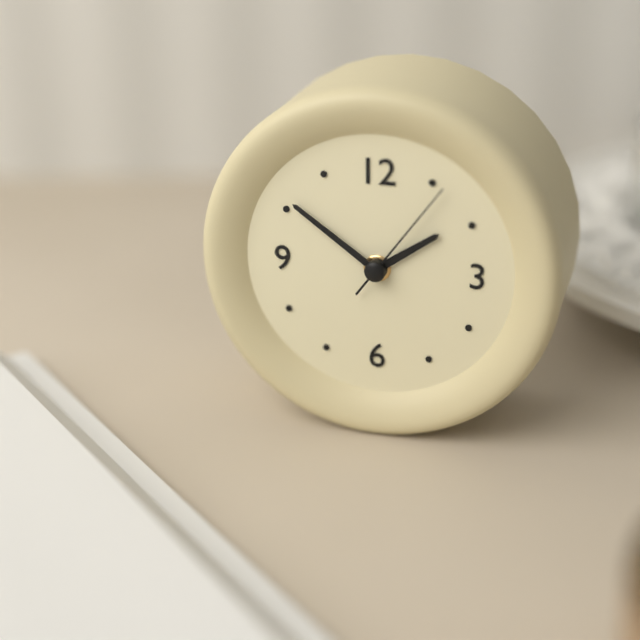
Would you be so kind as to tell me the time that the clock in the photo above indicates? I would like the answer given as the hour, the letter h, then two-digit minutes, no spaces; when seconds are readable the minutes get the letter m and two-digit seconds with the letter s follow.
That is 1h51m06s
